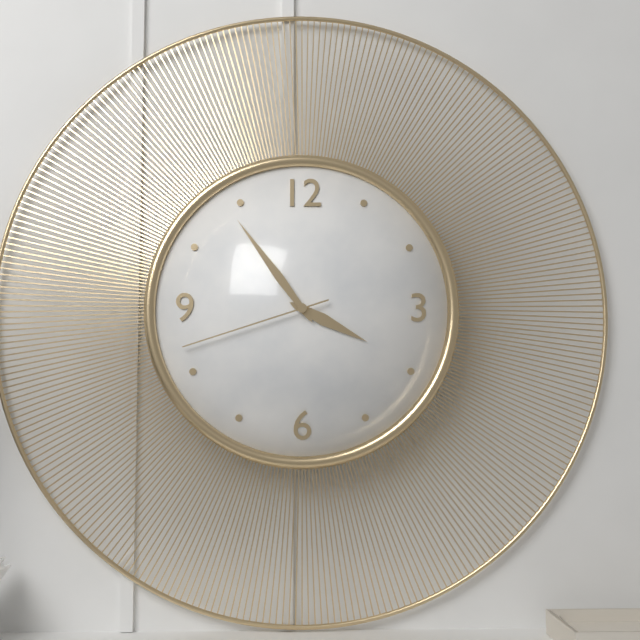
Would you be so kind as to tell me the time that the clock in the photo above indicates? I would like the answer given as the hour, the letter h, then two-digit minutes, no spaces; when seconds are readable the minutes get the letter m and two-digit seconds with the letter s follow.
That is 3h54m42s
